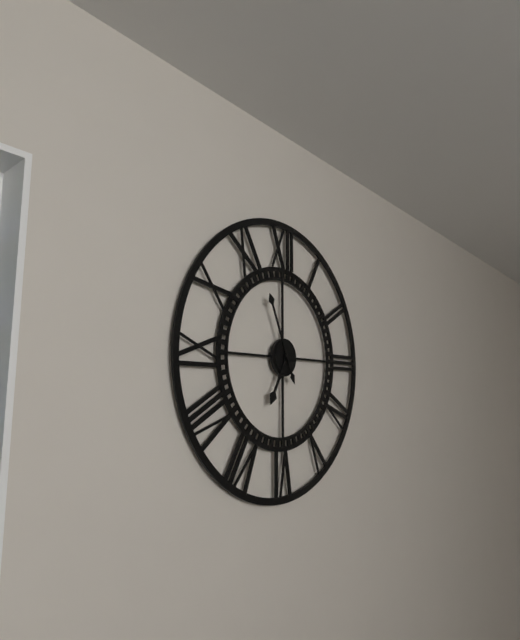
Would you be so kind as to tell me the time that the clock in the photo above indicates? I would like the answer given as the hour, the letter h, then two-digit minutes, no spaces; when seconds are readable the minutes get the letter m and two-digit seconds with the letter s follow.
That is 6h56
